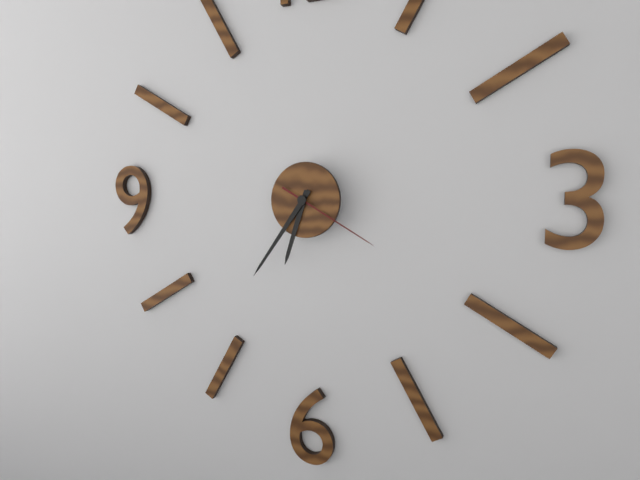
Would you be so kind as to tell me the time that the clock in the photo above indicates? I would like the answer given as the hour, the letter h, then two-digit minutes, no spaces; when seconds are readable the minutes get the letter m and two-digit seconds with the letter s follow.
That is 6h36m20s
